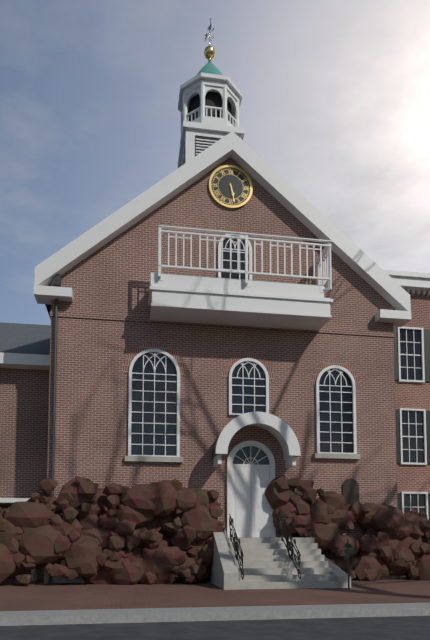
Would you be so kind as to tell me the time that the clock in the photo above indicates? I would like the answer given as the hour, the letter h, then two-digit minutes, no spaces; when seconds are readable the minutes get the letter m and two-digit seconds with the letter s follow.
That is 5h28
